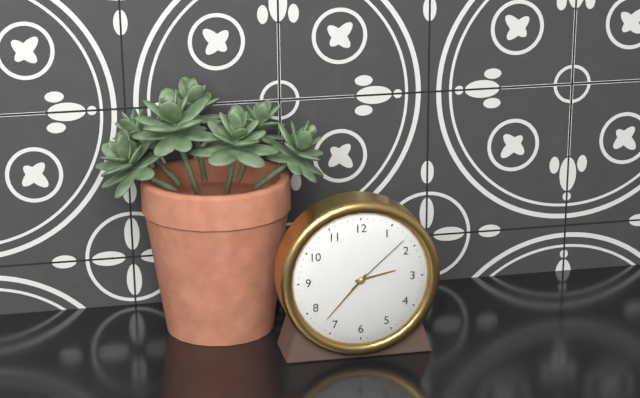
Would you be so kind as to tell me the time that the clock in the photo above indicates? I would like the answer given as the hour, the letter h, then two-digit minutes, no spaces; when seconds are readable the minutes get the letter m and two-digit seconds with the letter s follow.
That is 2h37m08s
